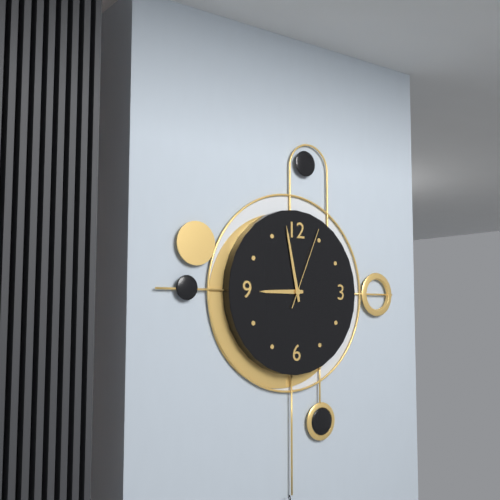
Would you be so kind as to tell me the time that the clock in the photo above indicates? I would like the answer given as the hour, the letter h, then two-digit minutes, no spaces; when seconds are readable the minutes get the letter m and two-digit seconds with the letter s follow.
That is 8h58m04s
